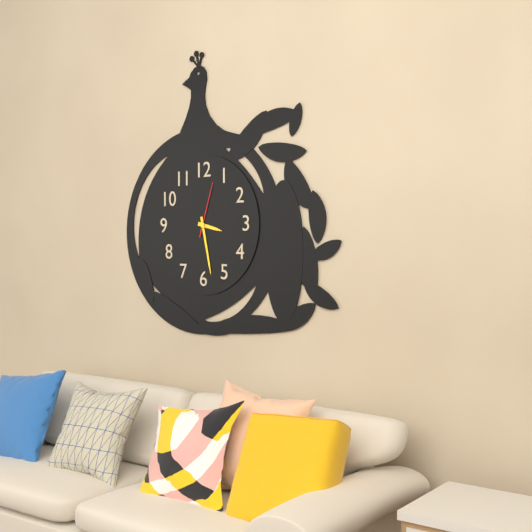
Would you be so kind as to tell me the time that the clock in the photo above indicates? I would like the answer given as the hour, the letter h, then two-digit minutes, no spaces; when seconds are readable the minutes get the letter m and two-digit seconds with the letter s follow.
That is 3h28m03s
